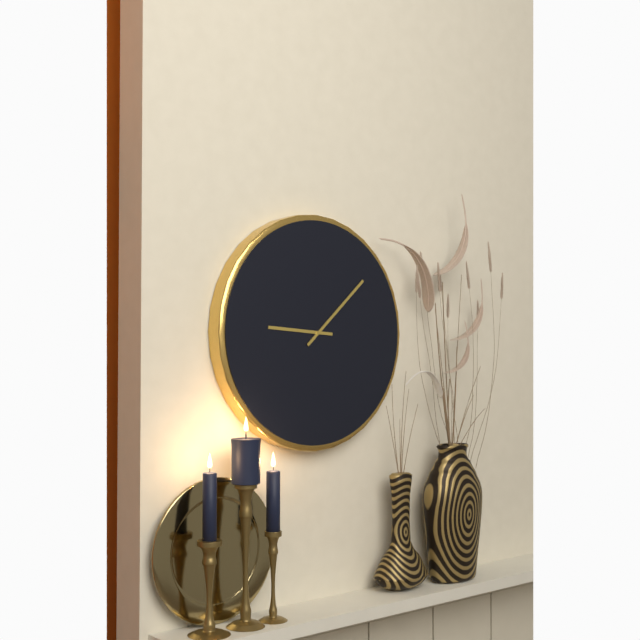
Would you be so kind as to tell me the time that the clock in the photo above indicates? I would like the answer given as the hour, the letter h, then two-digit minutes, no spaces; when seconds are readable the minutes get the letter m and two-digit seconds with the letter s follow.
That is 9h08
